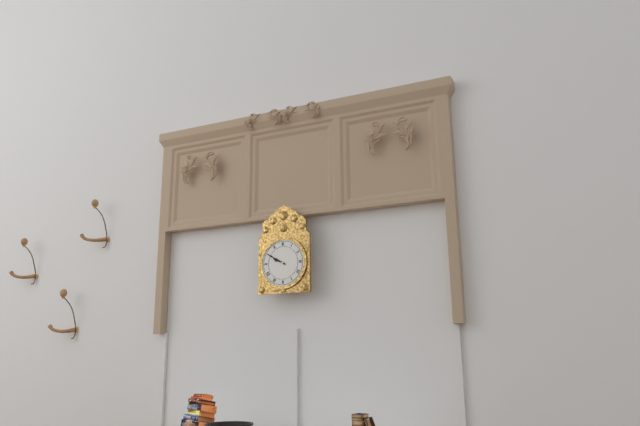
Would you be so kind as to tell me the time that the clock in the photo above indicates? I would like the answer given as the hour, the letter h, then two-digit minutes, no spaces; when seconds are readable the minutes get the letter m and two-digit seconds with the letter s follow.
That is 9h50
